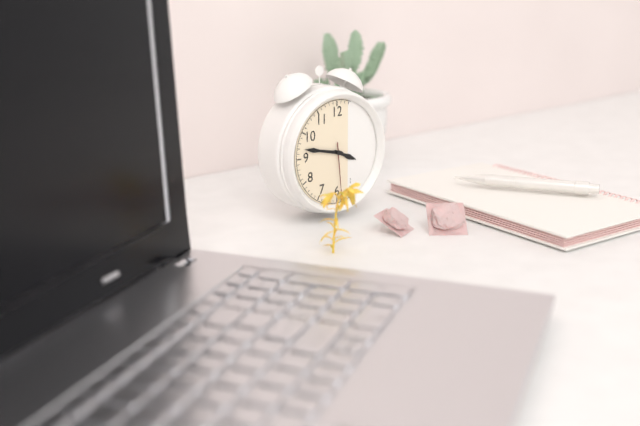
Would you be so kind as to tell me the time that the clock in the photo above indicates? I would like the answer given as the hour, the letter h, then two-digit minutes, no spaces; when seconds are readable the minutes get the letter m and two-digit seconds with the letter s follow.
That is 3h47m29s
